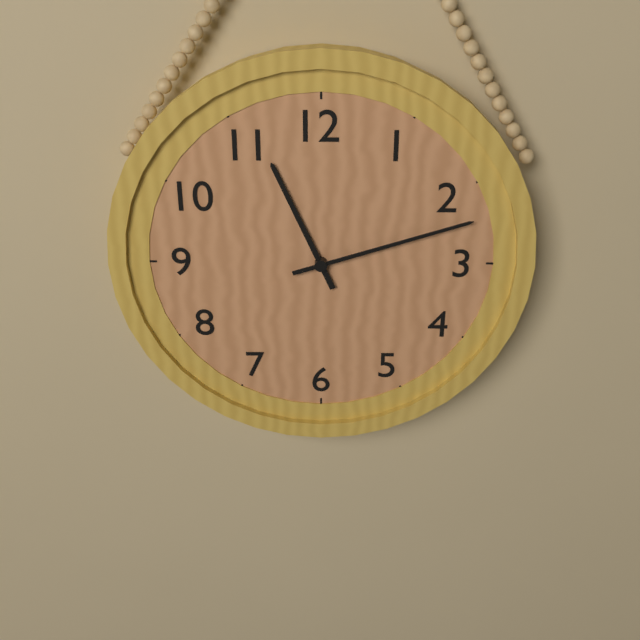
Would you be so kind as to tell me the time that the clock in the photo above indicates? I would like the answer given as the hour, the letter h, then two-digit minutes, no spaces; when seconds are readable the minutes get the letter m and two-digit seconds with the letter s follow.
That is 11h12
